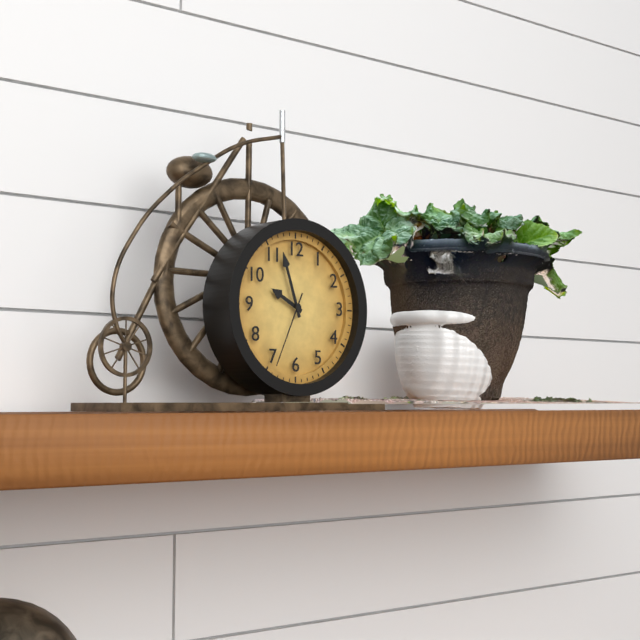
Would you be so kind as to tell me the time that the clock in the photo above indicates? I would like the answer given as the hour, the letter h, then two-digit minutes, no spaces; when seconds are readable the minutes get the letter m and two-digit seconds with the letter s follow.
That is 9h57m34s
